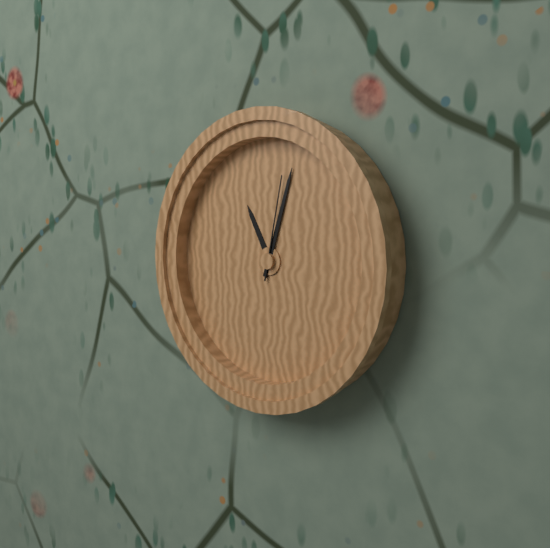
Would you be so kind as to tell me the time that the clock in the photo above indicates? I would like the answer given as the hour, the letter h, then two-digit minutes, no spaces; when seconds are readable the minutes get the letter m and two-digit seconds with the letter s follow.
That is 11h03m02s
